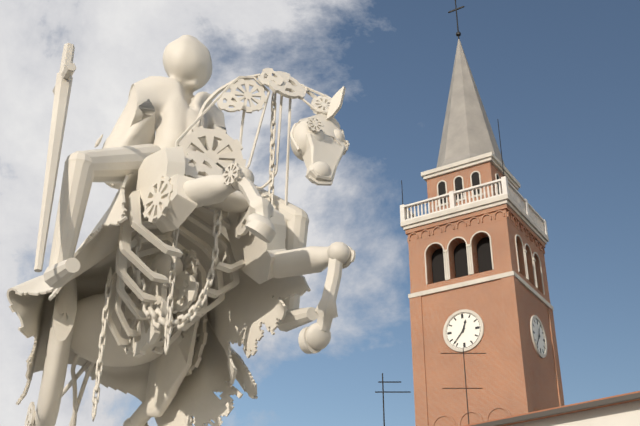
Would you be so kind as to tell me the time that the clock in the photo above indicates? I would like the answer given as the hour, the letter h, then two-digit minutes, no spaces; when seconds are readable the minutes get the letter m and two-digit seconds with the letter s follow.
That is 12h37
